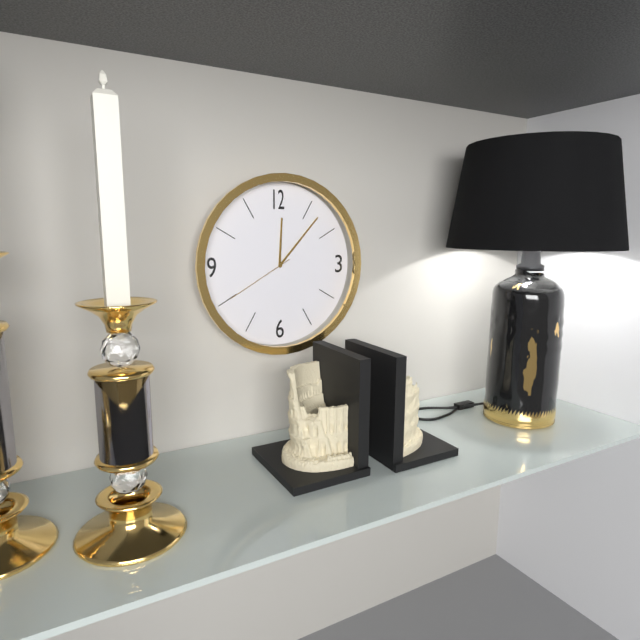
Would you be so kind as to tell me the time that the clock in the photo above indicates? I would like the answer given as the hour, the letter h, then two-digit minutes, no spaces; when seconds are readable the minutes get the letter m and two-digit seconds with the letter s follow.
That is 12h07m40s
